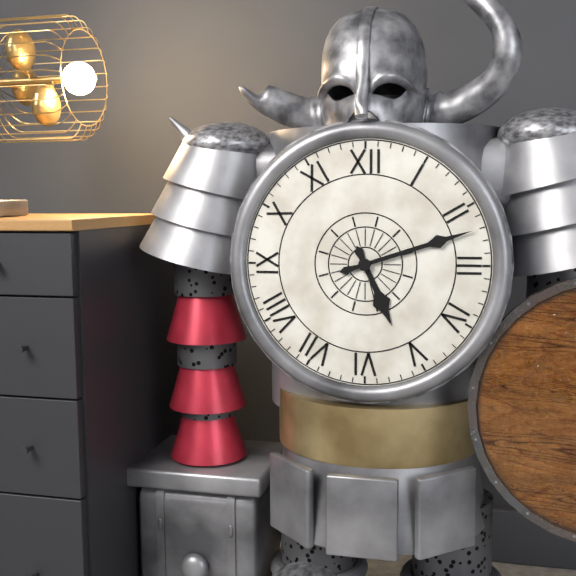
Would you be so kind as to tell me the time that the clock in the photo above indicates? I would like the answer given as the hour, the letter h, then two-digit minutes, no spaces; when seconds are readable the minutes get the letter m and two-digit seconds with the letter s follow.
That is 5h12
